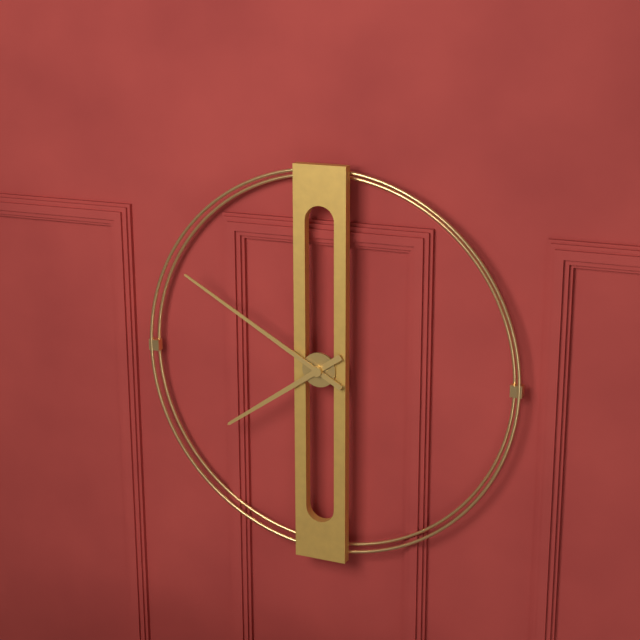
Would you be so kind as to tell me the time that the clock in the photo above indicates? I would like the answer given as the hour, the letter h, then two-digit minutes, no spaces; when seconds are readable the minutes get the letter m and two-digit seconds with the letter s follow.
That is 7h50
